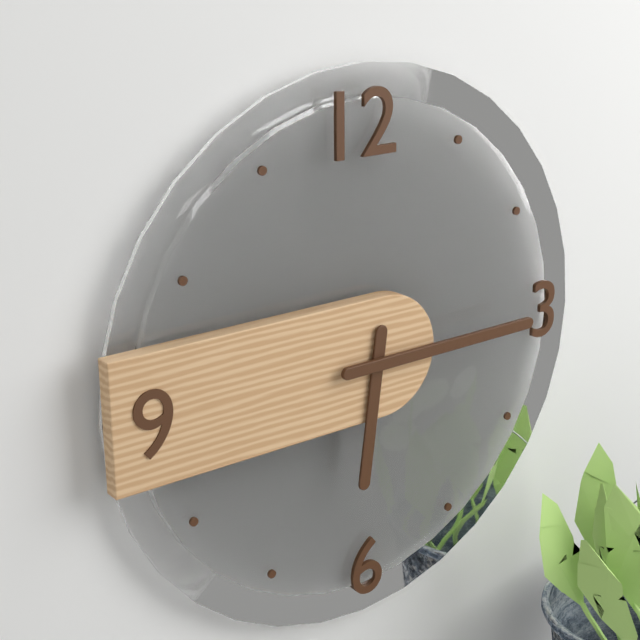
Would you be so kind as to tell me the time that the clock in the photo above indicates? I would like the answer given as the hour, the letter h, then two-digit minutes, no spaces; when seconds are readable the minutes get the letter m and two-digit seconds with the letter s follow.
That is 6h15
